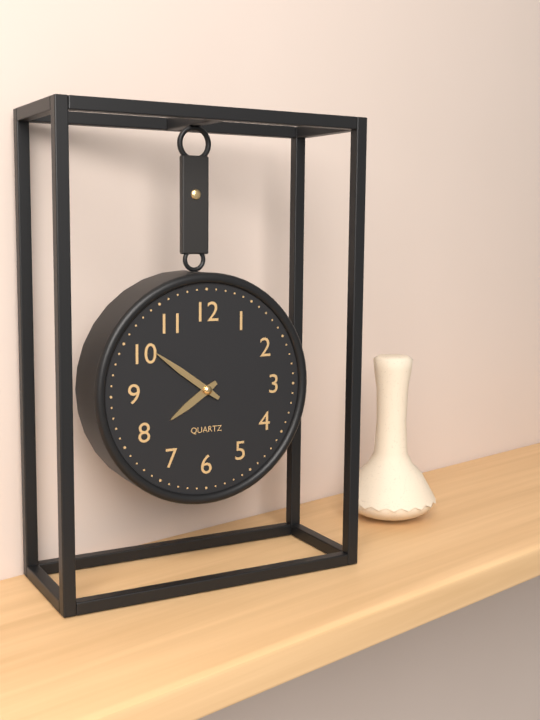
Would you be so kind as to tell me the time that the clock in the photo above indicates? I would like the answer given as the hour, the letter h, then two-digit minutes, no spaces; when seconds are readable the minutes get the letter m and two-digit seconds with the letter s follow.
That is 7h51
